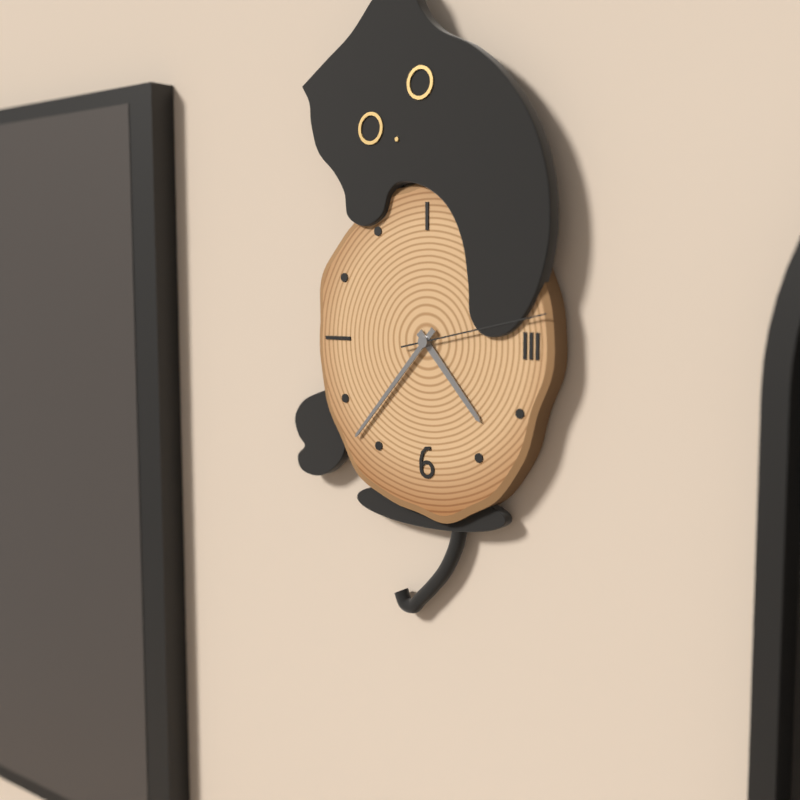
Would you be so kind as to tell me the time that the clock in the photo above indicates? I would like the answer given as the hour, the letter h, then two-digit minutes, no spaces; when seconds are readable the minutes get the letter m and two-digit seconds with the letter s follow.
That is 4h37m13s
